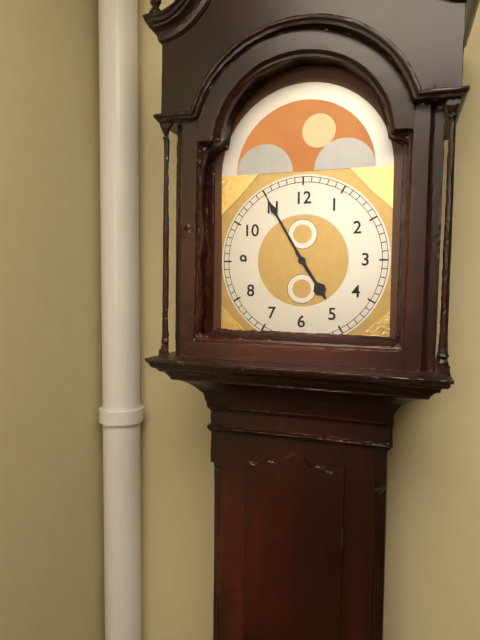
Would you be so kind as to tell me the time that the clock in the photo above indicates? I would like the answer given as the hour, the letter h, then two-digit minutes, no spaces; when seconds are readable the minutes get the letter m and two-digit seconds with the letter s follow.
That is 4h55
